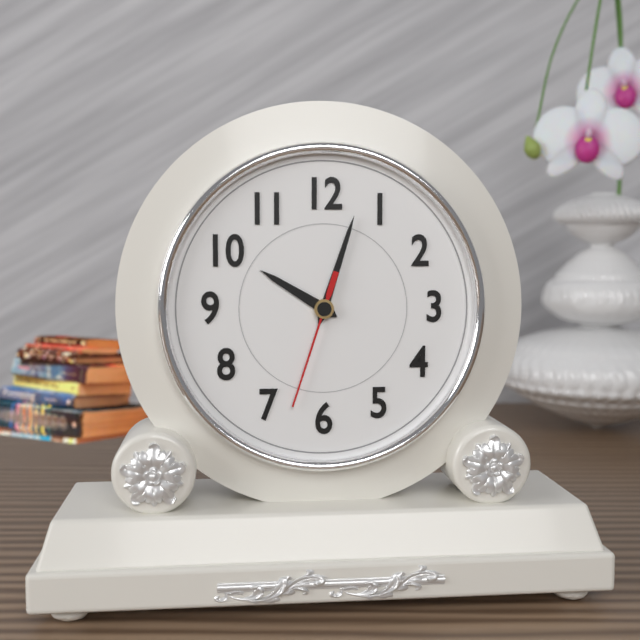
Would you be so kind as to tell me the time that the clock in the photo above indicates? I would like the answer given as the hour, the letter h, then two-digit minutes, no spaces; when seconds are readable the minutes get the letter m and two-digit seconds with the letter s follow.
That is 10h03m33s
